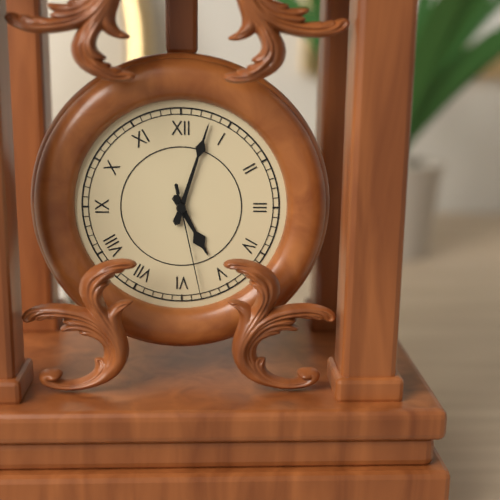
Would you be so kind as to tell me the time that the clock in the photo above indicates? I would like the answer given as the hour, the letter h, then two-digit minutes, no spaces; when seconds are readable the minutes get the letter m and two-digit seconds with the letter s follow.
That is 5h03m28s
